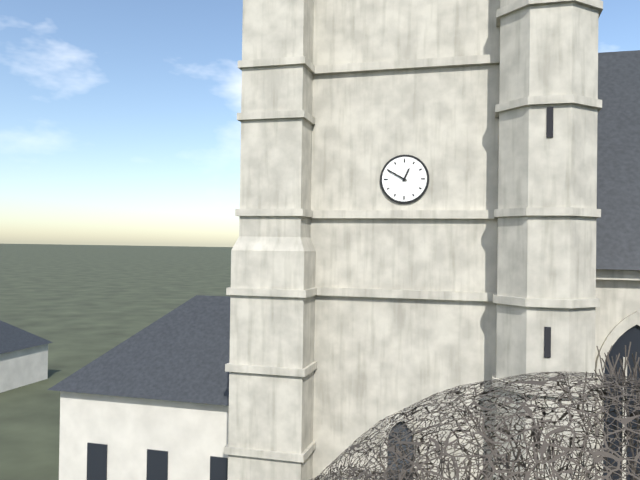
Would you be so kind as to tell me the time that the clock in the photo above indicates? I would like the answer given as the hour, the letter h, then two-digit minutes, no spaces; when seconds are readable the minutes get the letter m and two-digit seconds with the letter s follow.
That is 12h50
